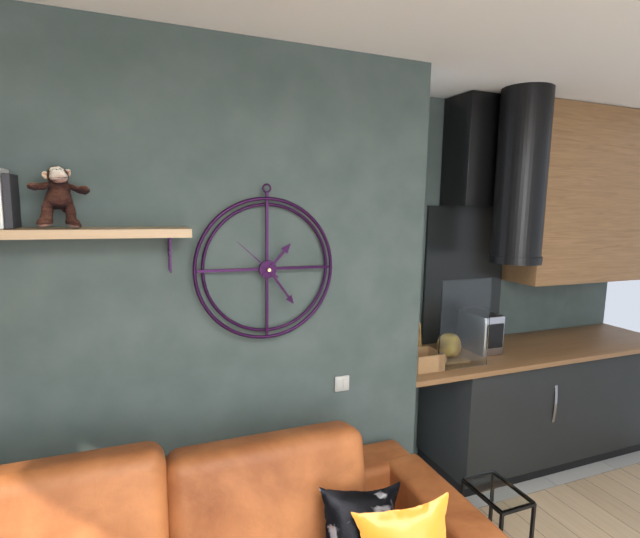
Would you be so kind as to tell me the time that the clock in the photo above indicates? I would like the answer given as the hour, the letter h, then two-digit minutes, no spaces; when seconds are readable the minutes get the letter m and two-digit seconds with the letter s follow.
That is 1h24m52s
